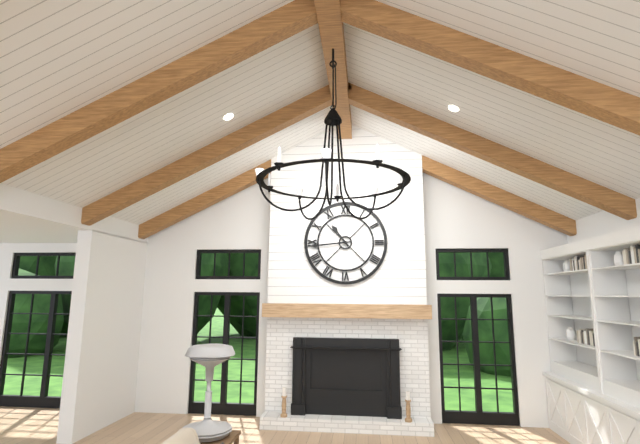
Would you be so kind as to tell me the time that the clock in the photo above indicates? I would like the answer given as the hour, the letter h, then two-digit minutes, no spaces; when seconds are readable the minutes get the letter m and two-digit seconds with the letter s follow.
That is 10h44
